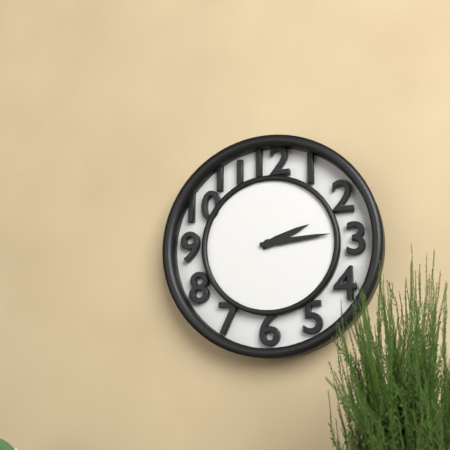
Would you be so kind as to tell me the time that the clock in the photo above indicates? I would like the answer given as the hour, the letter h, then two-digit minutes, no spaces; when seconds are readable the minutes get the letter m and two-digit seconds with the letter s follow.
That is 2h14
